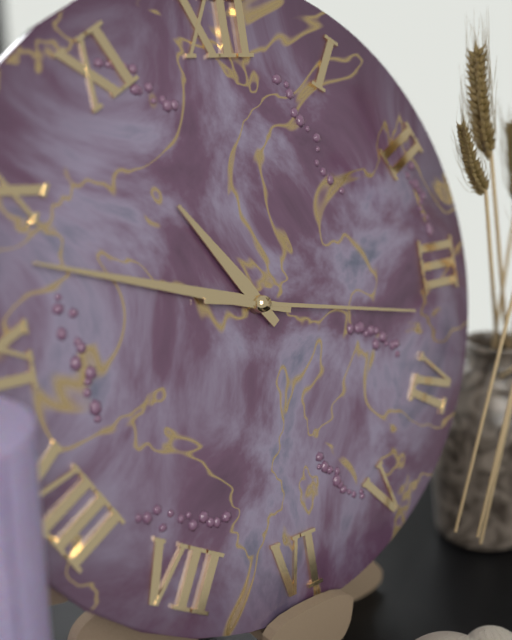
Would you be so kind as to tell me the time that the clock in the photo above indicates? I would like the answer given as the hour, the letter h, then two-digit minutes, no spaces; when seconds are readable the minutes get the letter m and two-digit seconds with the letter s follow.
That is 10h48m17s
